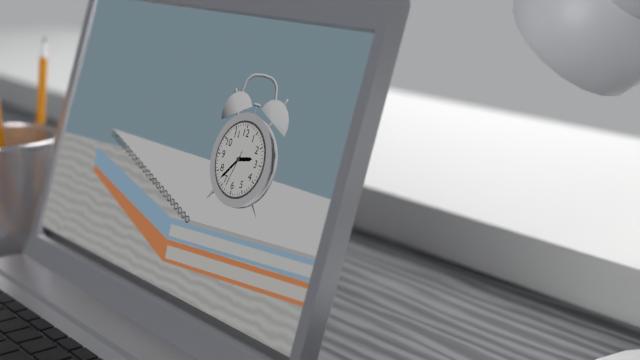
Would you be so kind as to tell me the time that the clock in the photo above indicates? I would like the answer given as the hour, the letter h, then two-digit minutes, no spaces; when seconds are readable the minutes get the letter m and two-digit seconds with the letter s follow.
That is 2h37
